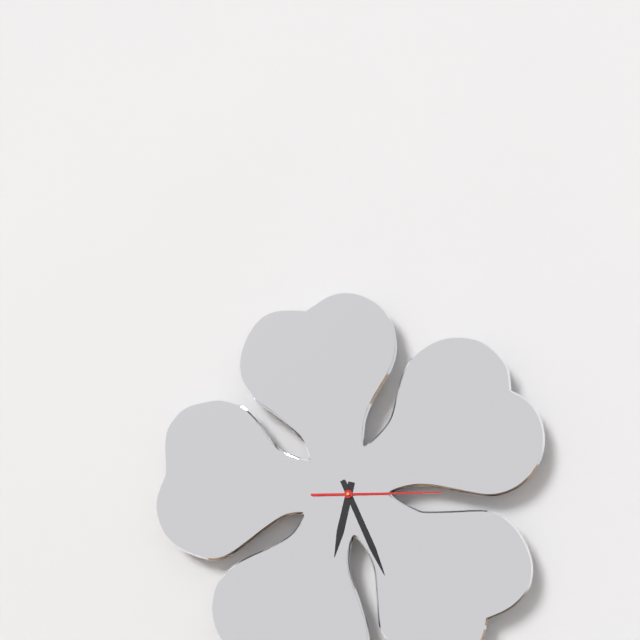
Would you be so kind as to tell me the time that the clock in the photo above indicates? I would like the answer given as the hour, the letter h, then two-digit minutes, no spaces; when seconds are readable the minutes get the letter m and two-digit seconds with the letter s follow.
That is 6h26m15s
